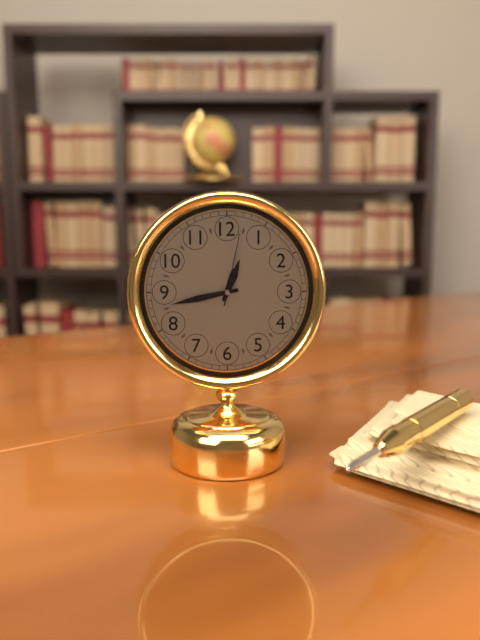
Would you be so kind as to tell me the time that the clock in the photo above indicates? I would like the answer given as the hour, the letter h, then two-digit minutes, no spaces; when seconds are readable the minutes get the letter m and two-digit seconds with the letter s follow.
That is 12h43m02s
